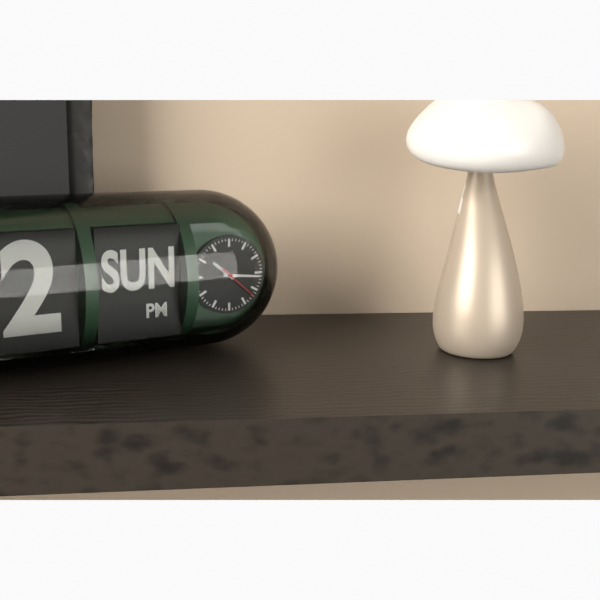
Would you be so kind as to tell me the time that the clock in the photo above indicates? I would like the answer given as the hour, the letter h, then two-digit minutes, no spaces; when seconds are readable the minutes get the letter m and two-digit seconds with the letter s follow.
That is 10h16
